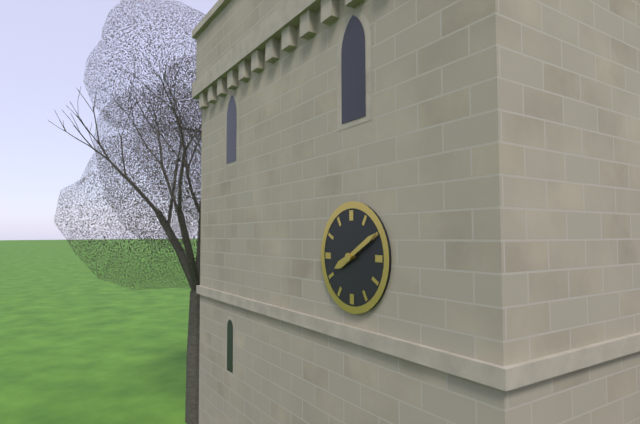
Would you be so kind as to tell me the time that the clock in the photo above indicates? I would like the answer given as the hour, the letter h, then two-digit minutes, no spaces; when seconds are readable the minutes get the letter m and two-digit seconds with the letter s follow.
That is 8h10
